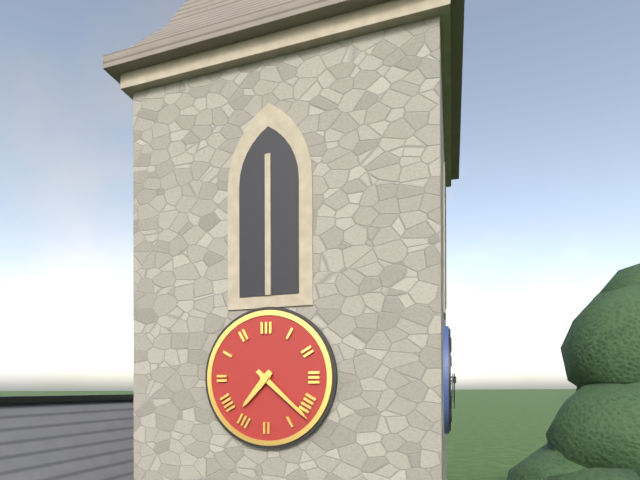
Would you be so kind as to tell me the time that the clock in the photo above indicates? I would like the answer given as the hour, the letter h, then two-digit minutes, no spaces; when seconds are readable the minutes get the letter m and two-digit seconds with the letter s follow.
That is 7h22
